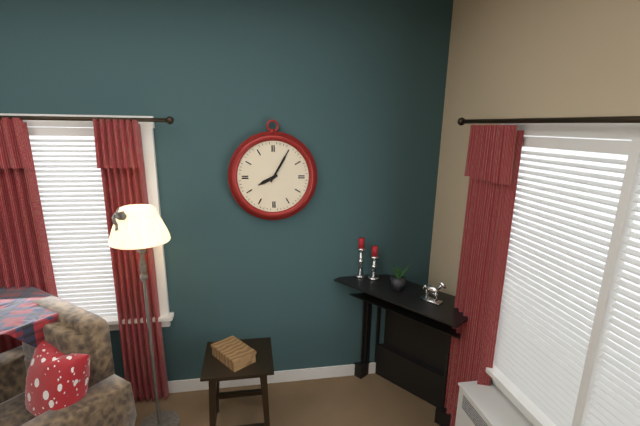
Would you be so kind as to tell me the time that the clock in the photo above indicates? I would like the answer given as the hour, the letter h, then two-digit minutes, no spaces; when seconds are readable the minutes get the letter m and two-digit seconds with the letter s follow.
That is 8h05
